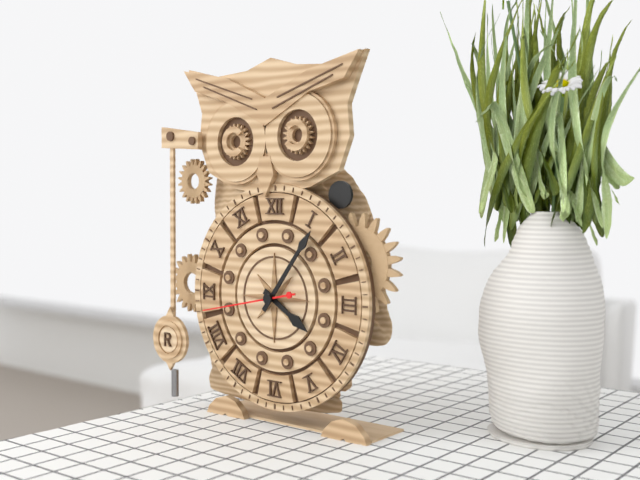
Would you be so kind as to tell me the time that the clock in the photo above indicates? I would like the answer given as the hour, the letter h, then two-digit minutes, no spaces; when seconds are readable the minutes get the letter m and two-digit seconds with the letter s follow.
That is 4h06m43s
